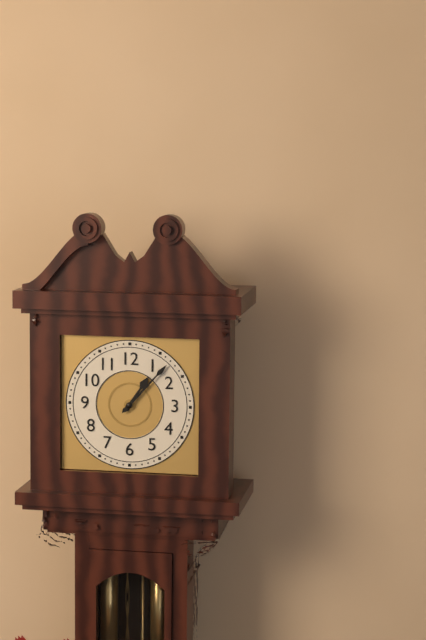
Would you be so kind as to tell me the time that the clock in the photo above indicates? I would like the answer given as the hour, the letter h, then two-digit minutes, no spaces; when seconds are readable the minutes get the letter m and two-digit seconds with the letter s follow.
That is 1h07
